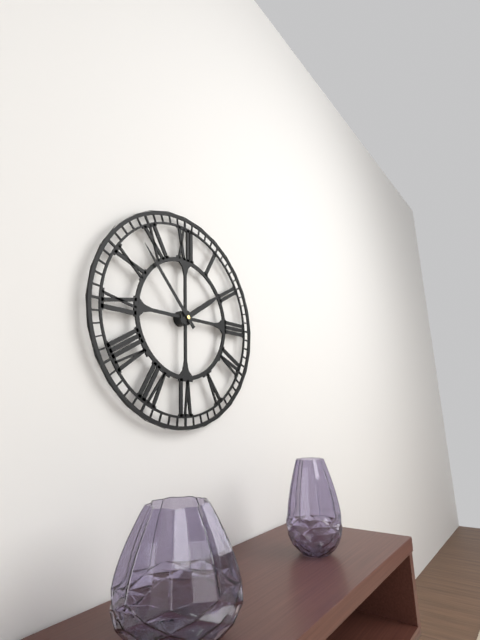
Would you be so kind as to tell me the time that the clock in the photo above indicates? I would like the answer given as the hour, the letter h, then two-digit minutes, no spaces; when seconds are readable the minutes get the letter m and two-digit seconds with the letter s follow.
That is 1h53
